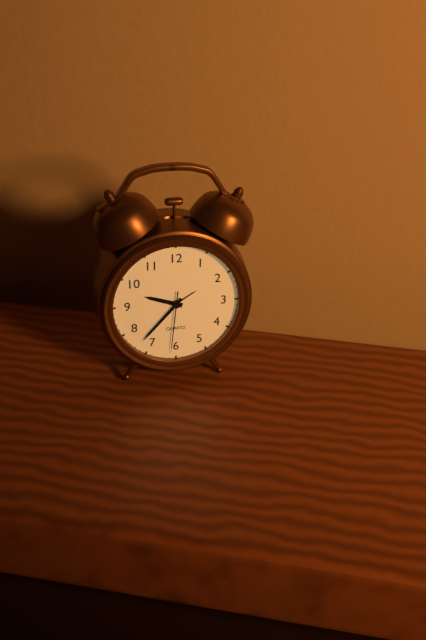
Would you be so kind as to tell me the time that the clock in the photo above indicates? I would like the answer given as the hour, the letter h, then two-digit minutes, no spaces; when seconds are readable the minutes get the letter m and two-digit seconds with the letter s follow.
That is 9h37m31s
